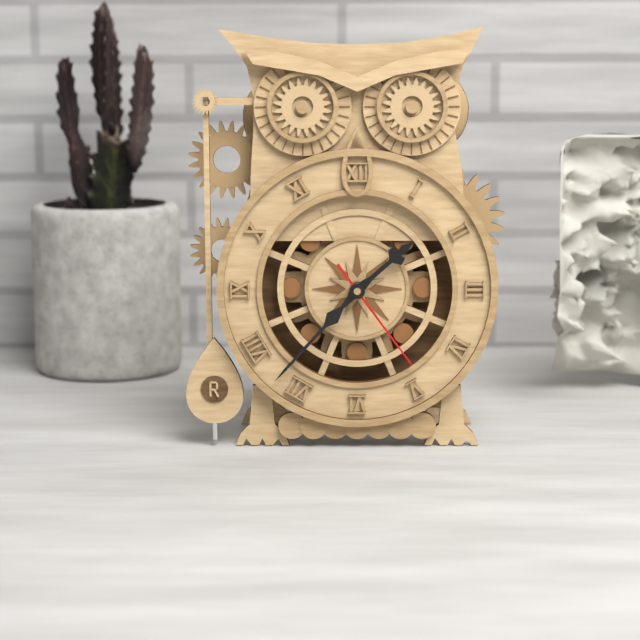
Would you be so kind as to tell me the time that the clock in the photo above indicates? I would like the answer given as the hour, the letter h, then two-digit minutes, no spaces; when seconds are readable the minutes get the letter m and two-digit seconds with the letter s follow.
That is 1h37m24s
